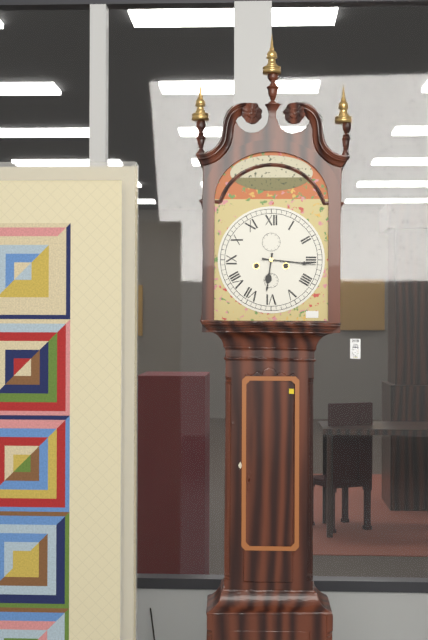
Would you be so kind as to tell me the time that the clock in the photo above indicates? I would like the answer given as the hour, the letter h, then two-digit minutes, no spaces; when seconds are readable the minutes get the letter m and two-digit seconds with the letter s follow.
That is 6h16
